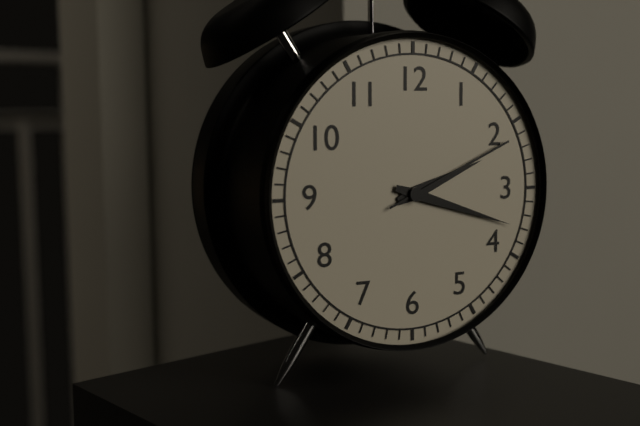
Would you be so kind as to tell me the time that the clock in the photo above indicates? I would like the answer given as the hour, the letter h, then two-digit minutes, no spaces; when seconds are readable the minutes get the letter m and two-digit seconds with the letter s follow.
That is 2h18m11s
